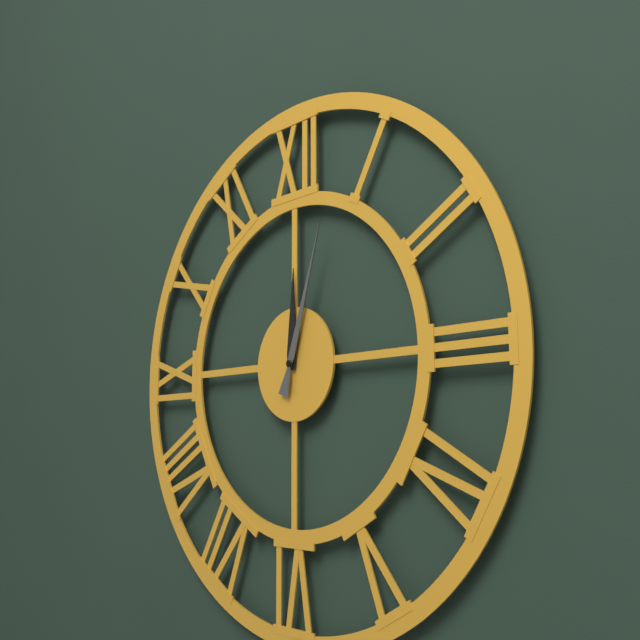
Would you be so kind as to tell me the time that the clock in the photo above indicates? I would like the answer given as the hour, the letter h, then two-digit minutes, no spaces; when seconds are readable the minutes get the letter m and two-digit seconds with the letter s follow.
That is 12h03
